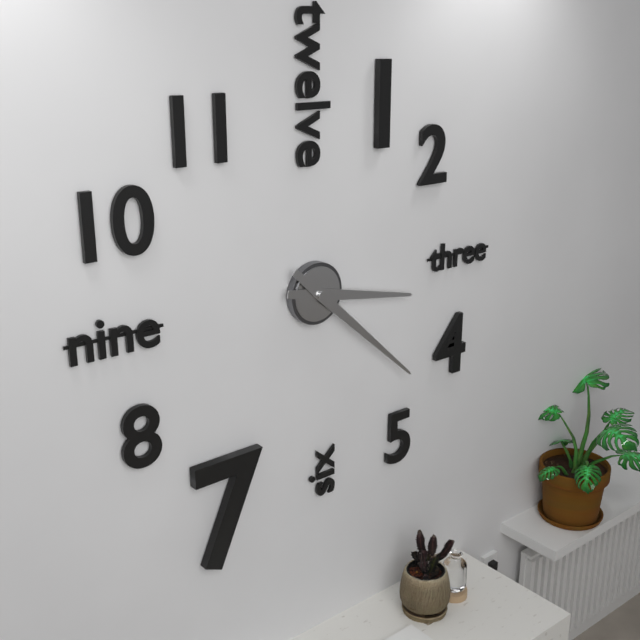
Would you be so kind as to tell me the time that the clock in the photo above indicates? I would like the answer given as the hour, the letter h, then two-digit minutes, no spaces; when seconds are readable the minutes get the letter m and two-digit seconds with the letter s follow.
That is 3h22
